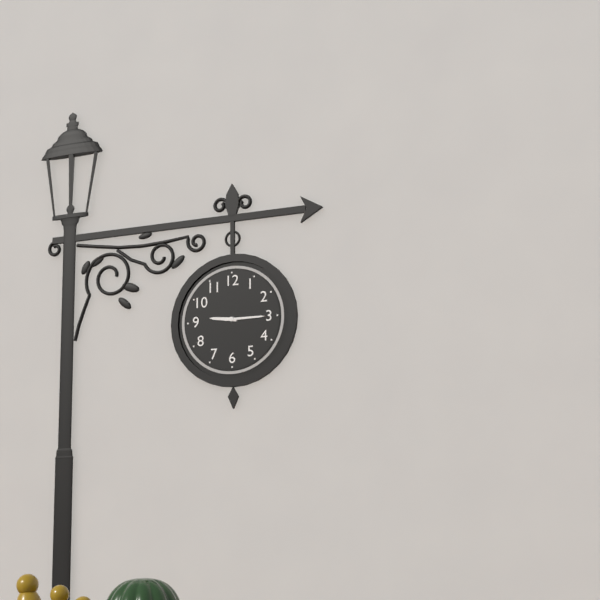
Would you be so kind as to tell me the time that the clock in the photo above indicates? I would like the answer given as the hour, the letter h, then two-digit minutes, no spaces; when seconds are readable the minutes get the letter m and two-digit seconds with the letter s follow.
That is 9h15
